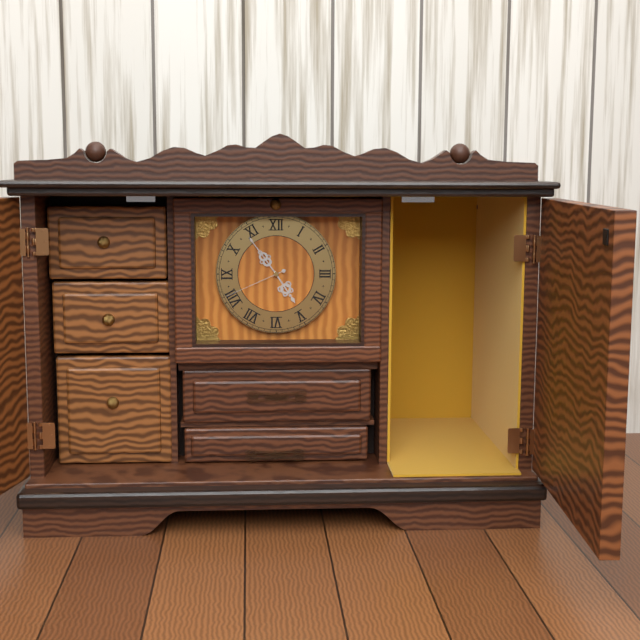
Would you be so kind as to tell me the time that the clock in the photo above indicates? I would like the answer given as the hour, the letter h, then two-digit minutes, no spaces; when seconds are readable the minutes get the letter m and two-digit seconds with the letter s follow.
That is 4h54m41s
